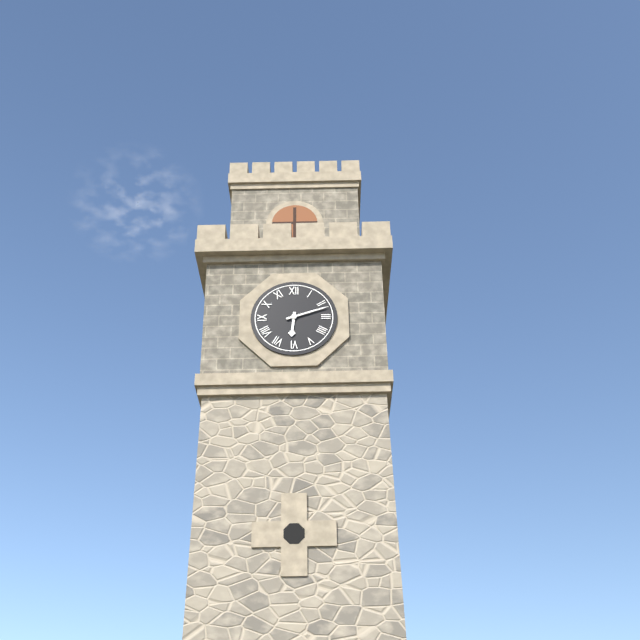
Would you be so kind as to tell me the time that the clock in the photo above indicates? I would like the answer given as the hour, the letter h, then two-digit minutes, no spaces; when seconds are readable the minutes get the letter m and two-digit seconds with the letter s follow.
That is 6h12
